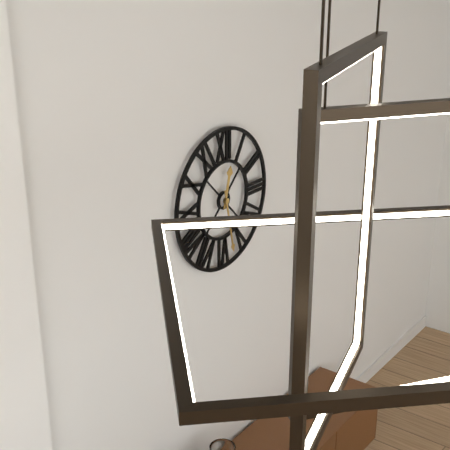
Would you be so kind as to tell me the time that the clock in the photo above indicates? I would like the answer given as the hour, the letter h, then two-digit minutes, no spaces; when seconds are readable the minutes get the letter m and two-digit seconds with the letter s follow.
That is 12h28
